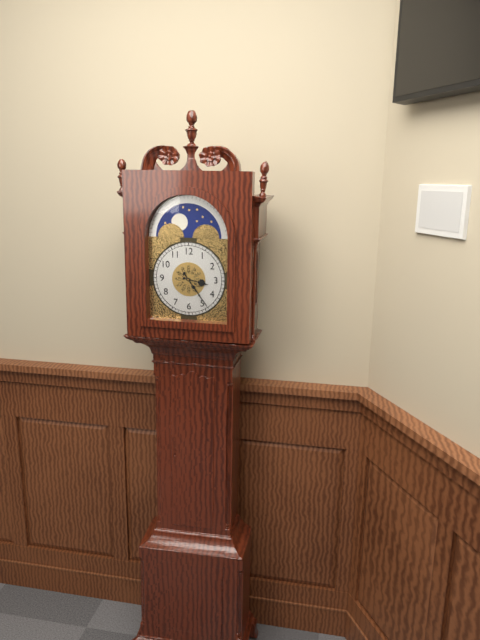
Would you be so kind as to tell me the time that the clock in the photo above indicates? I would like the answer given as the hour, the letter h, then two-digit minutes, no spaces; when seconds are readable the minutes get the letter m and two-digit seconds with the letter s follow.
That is 3h24
